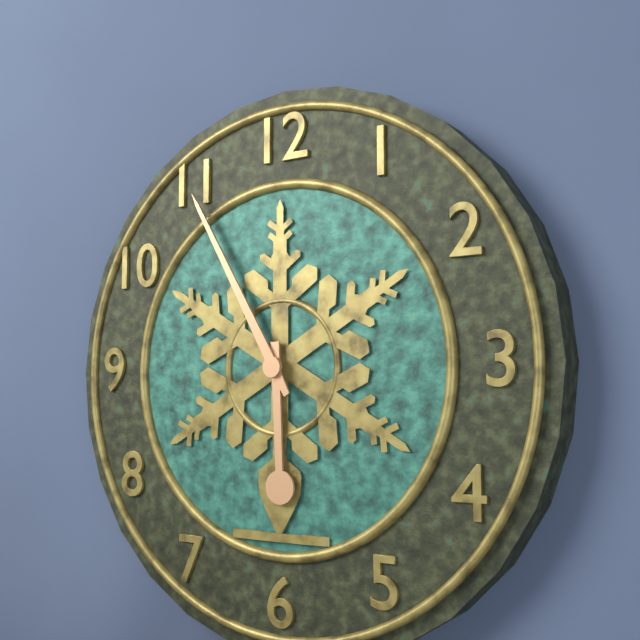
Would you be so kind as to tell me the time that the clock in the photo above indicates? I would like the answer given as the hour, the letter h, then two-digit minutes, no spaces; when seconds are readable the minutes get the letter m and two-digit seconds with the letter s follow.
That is 5h55
